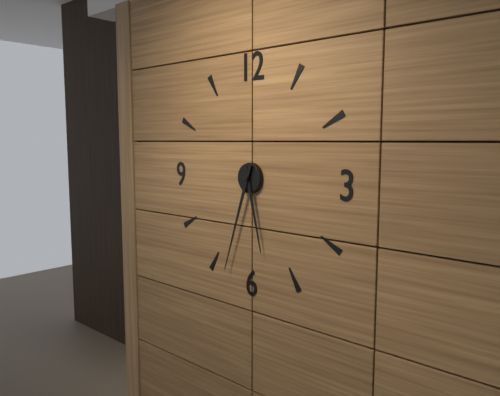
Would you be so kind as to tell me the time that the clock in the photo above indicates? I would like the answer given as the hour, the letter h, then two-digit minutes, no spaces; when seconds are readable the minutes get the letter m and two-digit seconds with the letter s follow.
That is 5h33
